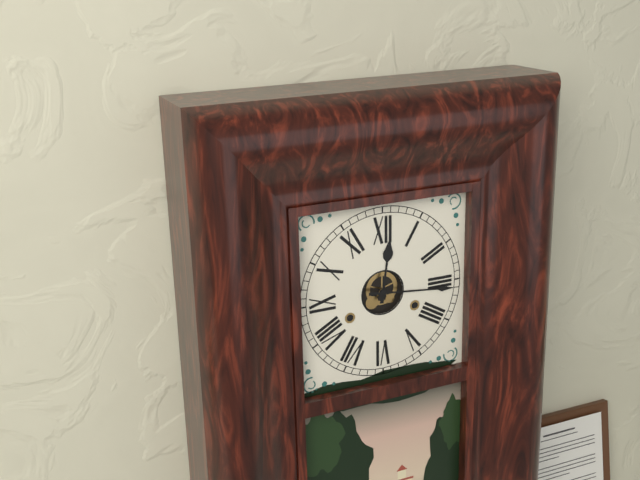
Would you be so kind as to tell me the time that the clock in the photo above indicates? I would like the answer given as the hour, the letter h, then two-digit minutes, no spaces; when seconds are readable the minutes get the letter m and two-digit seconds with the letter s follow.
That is 12h16
